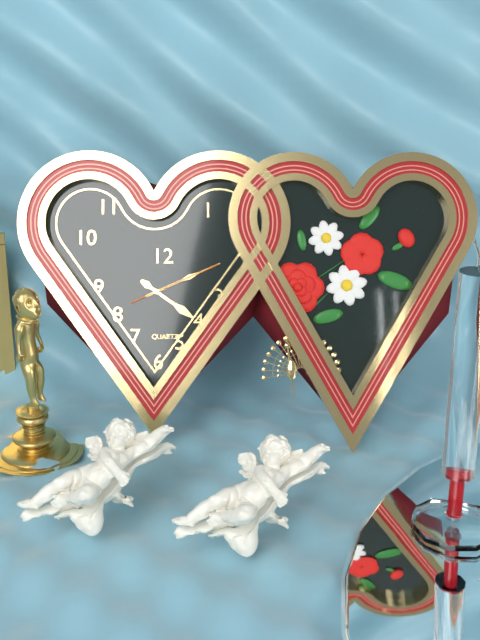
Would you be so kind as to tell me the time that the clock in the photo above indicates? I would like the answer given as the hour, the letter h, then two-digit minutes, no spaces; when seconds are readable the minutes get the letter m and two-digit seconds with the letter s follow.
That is 4h11m11s
